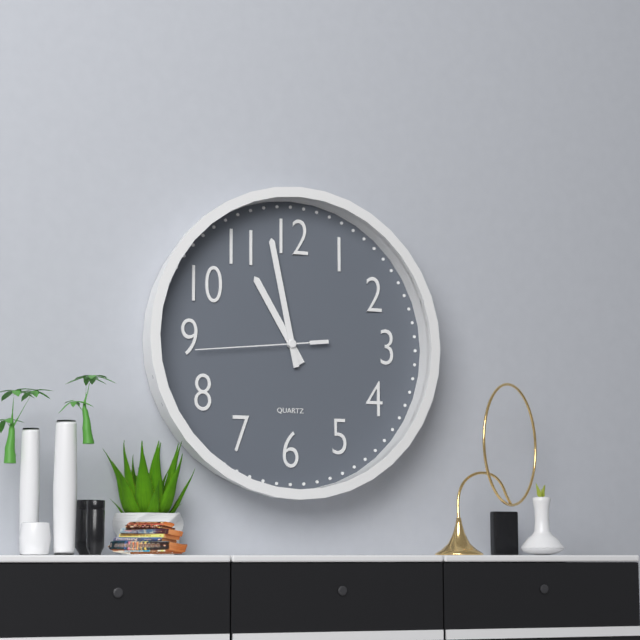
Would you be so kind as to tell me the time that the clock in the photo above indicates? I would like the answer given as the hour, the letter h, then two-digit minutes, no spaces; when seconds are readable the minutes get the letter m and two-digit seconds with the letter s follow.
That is 10h58m44s
